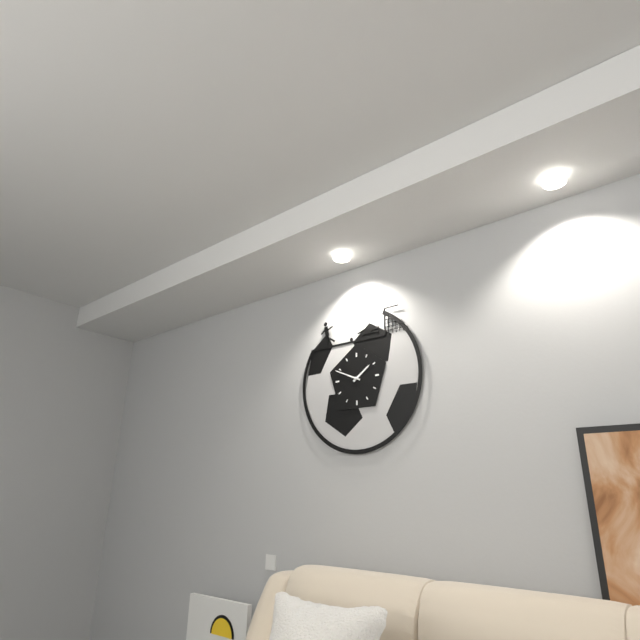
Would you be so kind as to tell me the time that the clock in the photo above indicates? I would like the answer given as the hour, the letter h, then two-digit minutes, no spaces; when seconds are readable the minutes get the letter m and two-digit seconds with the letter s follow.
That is 1h49
